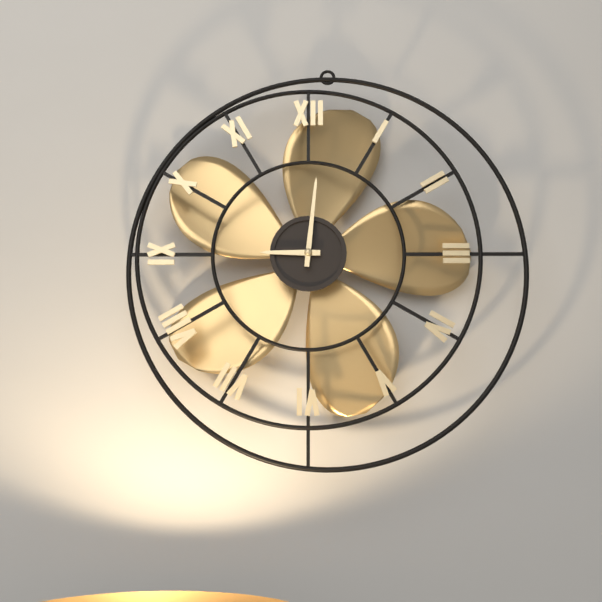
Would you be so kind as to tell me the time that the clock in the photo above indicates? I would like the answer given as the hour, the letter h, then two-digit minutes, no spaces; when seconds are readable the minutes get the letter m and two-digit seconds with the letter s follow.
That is 9h01
